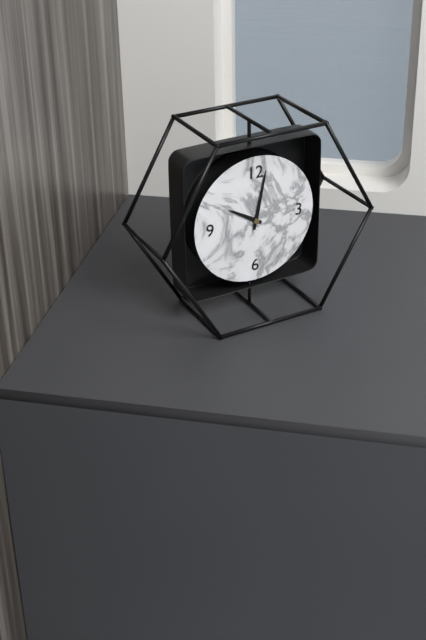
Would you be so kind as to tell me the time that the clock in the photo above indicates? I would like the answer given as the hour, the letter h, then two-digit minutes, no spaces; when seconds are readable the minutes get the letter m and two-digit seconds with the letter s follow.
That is 10h02
